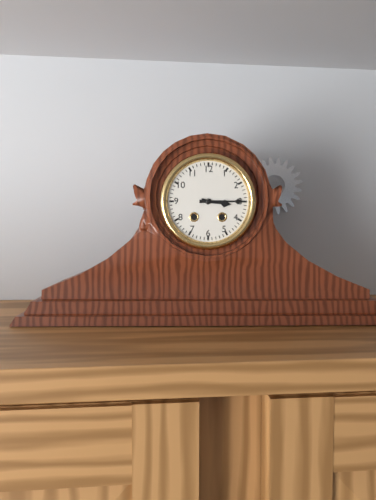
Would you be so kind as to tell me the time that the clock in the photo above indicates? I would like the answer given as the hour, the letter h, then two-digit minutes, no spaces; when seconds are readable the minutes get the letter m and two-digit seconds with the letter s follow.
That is 3h15
